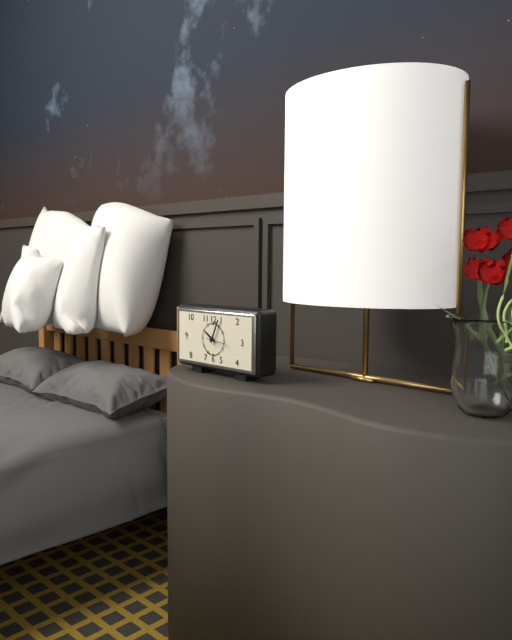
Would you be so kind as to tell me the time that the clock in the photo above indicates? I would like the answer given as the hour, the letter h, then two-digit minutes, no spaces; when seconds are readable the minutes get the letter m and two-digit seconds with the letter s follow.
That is 10h04
